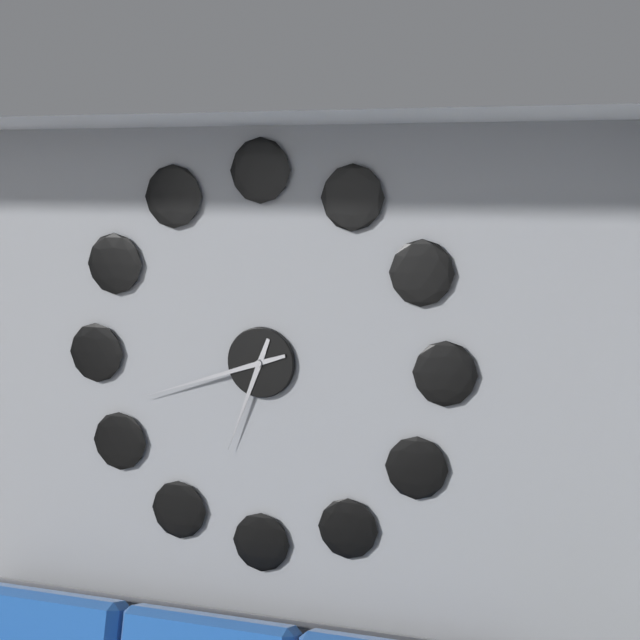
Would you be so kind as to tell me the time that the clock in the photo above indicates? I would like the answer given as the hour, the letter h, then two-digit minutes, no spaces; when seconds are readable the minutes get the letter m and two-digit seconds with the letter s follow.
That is 6h42
